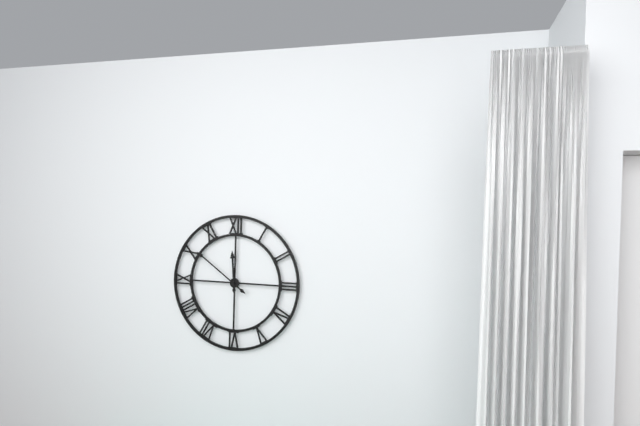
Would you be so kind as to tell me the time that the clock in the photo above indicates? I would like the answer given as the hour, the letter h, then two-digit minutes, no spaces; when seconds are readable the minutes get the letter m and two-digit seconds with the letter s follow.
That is 11h51
